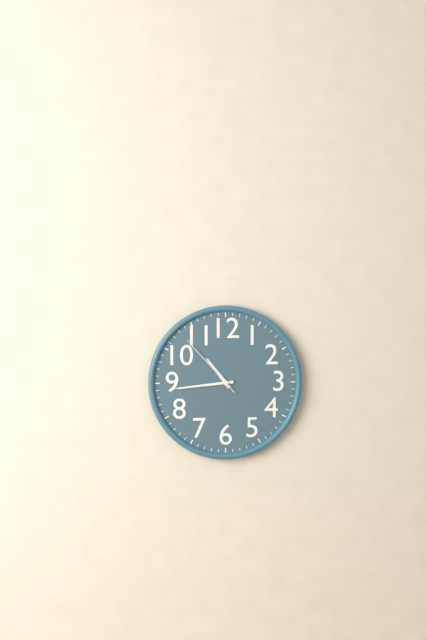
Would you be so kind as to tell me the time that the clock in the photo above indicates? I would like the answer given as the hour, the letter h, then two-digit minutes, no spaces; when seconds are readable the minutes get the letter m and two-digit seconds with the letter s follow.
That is 10h44m53s
